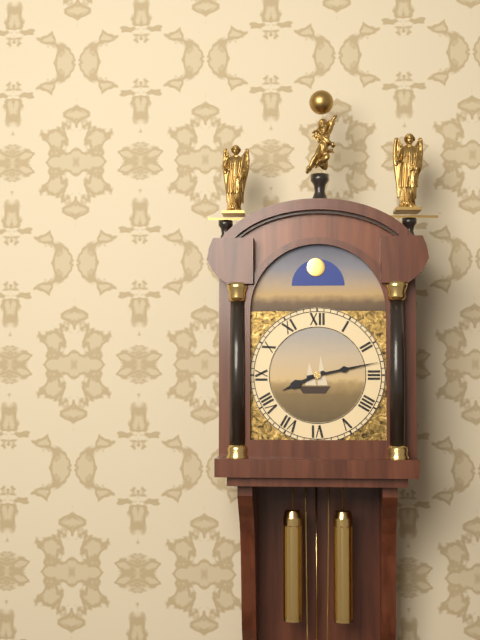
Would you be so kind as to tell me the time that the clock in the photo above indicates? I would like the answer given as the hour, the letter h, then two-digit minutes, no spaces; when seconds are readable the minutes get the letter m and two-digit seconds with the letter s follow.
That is 8h13
